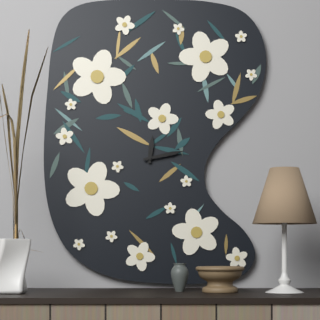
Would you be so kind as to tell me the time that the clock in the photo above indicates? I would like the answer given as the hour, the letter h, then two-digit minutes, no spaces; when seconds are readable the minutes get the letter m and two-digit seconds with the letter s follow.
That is 12h13
